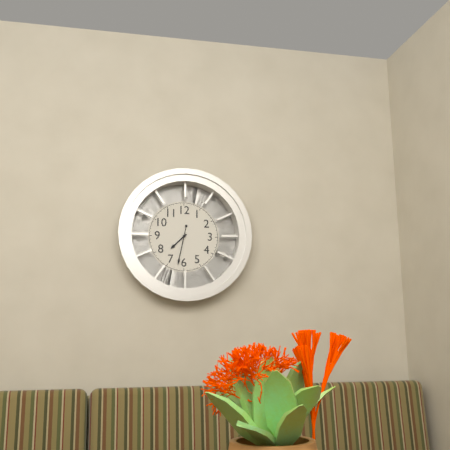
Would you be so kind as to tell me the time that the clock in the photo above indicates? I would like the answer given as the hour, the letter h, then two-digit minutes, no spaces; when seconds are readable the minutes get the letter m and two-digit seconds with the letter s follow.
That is 7h32
